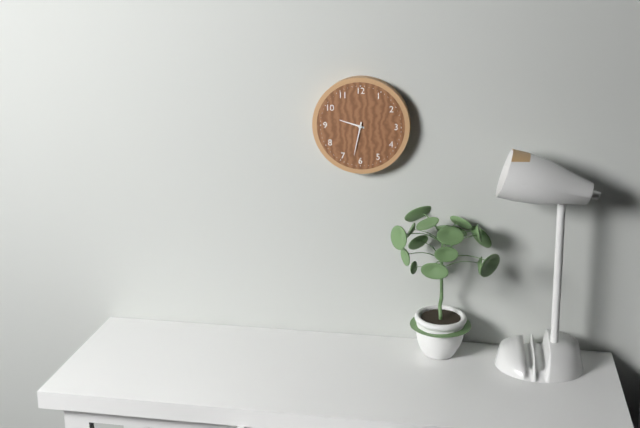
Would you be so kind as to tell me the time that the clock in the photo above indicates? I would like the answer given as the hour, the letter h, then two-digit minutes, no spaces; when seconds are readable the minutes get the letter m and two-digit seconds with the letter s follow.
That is 9h32
